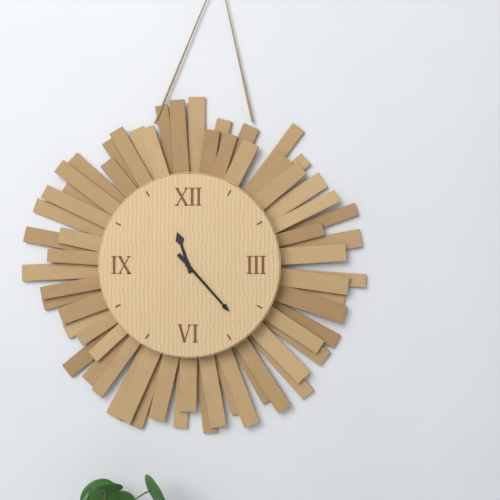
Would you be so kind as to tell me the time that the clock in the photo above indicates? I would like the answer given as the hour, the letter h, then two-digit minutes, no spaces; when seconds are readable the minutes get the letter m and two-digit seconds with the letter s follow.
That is 11h23
